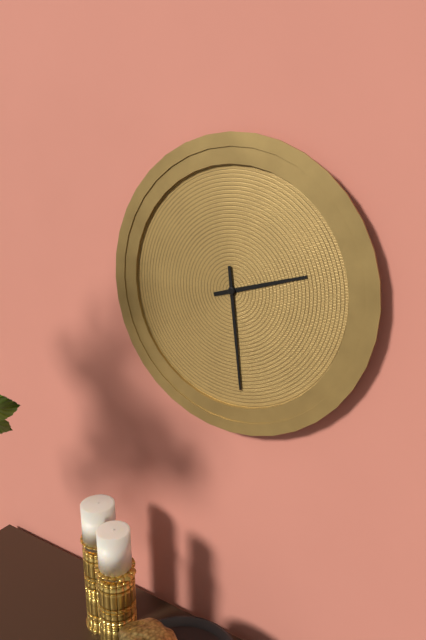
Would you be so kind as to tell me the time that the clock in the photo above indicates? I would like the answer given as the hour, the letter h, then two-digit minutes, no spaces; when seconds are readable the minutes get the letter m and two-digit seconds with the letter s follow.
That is 2h29
